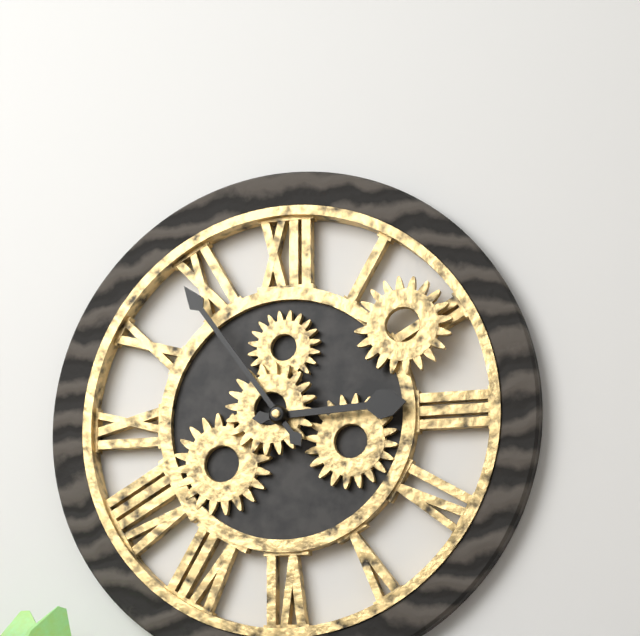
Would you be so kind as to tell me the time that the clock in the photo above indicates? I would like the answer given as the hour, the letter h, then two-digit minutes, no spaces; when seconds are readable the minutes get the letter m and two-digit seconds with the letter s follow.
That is 2h54
